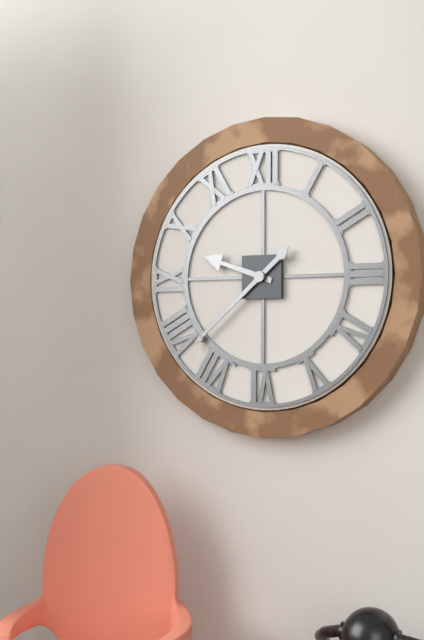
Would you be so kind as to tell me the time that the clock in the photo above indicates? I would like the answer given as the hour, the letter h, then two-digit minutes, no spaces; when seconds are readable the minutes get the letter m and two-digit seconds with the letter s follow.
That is 9h38
